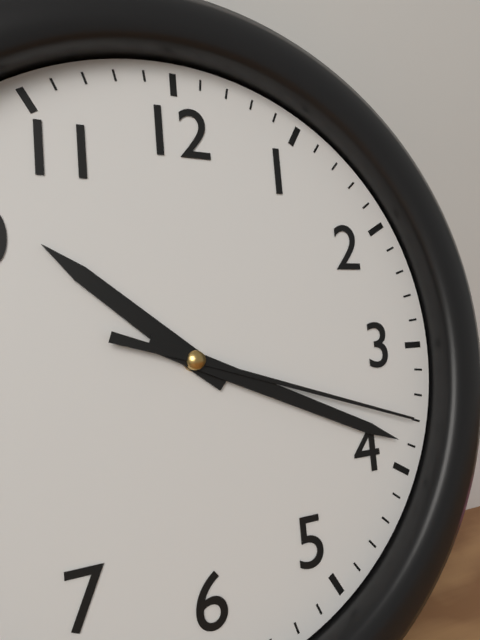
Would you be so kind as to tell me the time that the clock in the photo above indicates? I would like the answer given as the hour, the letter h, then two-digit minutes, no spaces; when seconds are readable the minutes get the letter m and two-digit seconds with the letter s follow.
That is 10h19m18s
